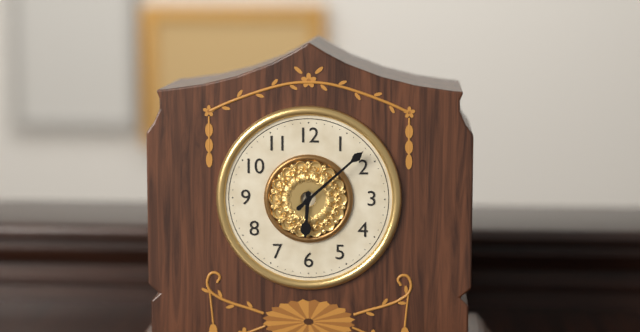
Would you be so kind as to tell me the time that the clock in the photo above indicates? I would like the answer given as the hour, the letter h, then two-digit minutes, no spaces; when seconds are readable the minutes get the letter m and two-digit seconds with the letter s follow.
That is 6h08
